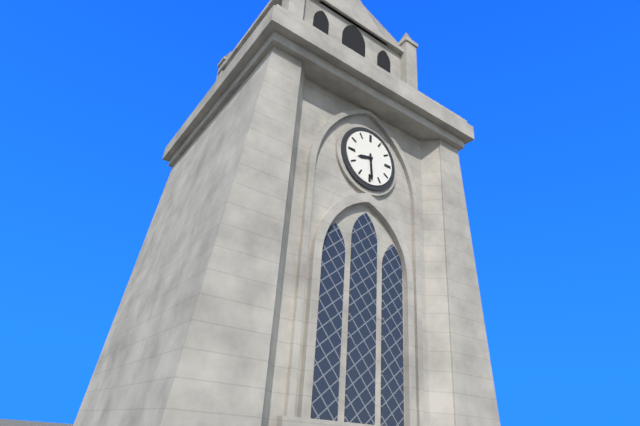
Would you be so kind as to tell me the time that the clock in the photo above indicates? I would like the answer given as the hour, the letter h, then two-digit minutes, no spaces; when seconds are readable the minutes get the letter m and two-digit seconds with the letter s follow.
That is 8h29
